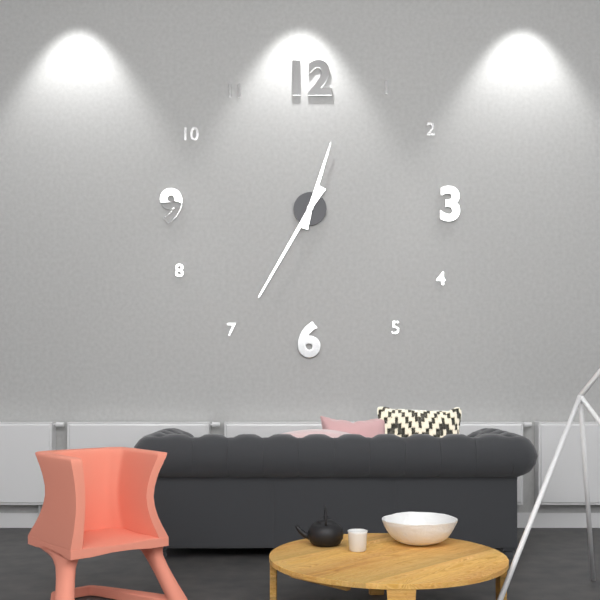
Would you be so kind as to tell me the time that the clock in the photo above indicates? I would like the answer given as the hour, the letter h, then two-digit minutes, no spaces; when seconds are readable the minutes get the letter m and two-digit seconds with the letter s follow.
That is 12h35
